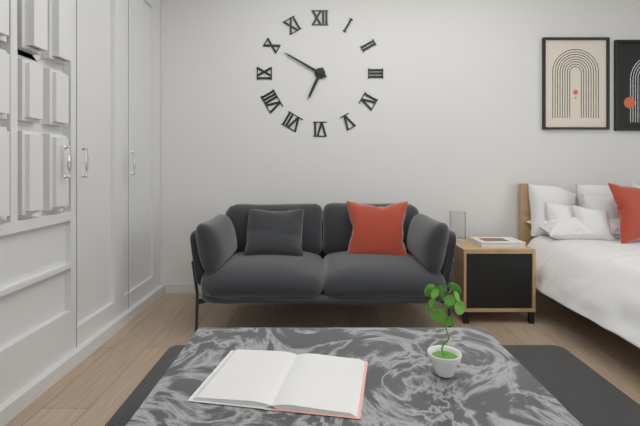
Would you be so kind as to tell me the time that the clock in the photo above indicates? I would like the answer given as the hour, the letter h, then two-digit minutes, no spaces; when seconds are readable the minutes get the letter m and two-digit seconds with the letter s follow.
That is 6h50
